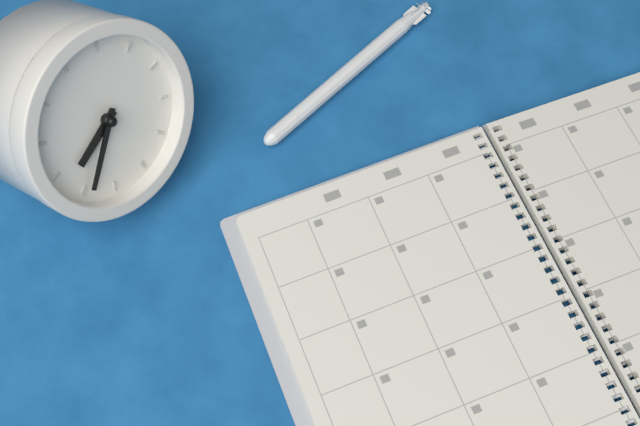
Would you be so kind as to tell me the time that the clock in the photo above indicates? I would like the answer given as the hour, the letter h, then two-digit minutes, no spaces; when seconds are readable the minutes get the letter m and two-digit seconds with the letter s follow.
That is 7h34
